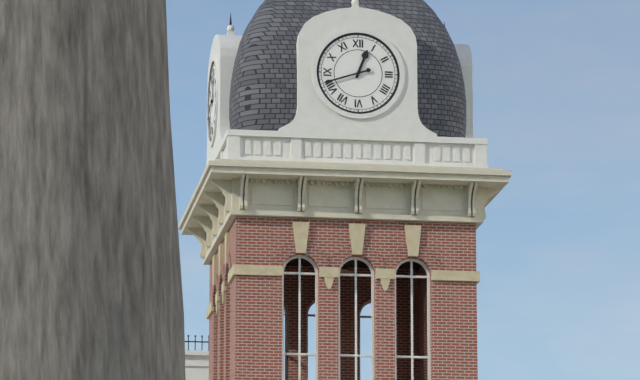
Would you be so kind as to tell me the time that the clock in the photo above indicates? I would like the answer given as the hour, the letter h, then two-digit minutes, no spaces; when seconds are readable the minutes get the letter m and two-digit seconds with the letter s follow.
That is 12h42
